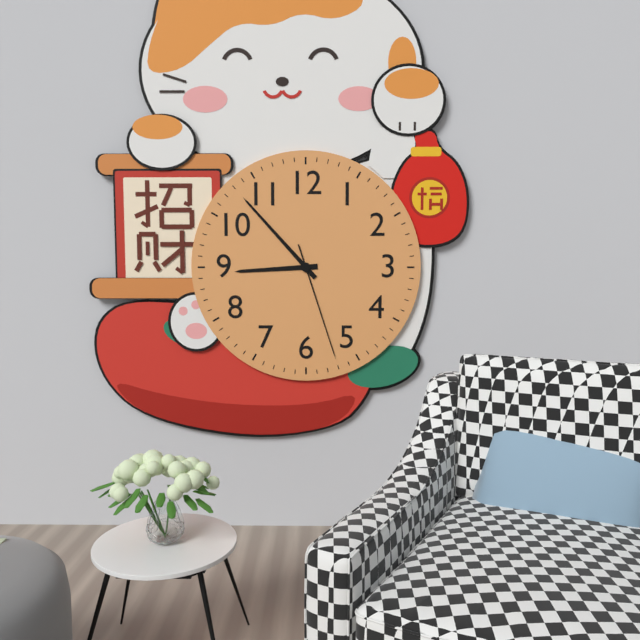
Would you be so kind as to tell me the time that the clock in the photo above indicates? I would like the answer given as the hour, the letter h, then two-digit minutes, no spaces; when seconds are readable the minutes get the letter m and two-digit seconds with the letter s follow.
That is 8h53m27s
